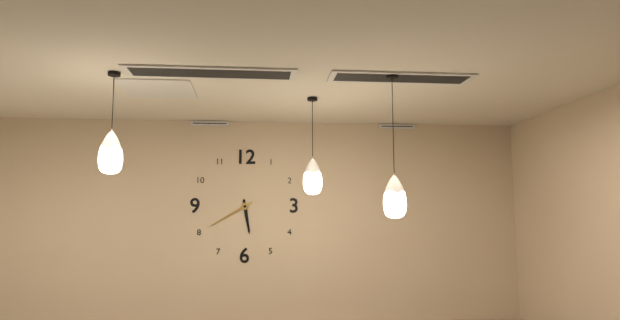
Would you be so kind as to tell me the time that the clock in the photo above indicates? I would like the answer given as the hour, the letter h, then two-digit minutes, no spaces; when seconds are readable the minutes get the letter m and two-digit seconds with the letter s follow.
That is 5h40
